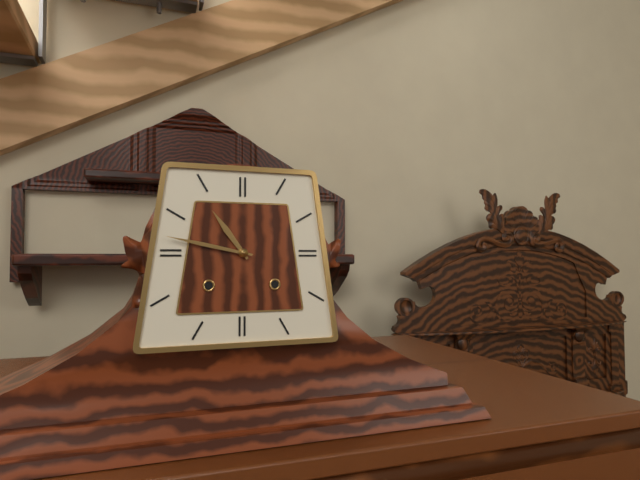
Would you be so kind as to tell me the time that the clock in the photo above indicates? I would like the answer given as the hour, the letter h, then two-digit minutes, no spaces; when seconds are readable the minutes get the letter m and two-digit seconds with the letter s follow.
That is 10h47
